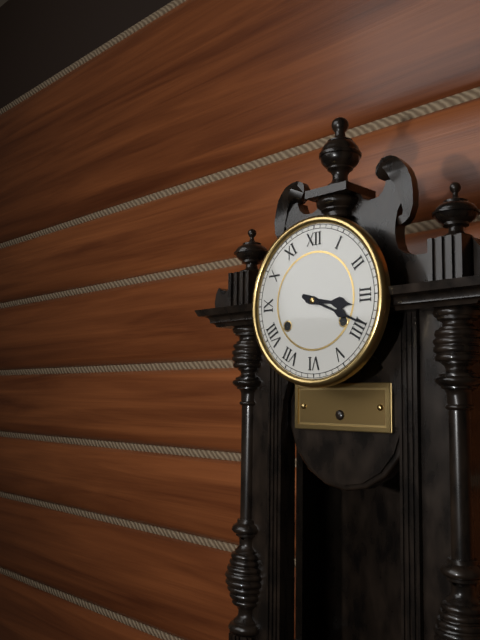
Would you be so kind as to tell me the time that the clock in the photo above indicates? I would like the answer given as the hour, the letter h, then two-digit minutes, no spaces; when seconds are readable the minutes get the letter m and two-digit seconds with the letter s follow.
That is 3h19
